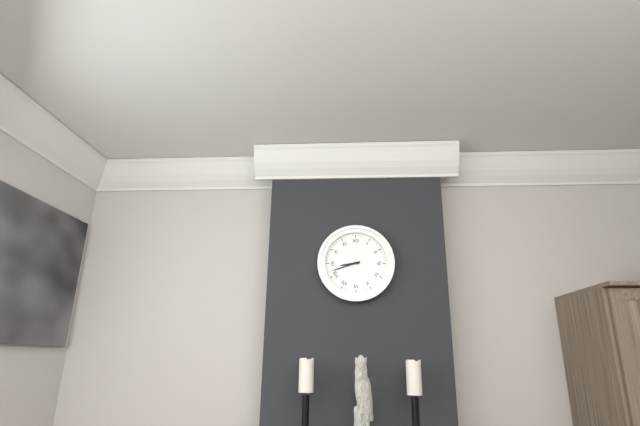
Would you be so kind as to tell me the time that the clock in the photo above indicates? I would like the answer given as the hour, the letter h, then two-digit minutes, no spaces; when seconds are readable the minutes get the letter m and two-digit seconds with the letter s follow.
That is 8h42
